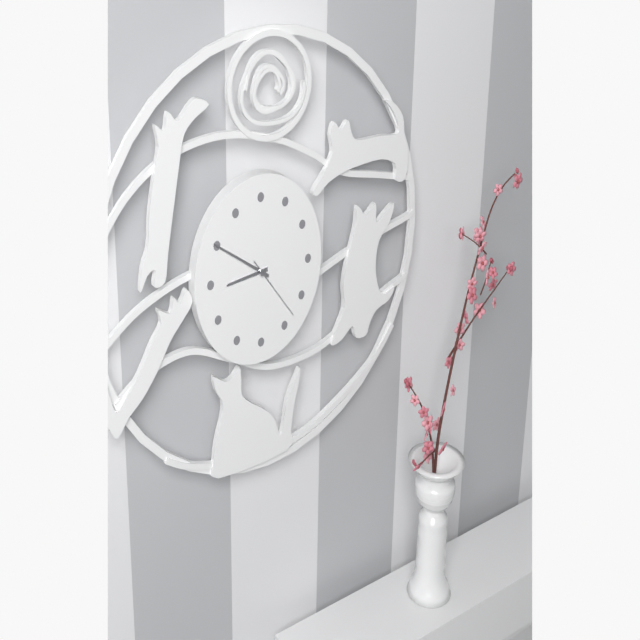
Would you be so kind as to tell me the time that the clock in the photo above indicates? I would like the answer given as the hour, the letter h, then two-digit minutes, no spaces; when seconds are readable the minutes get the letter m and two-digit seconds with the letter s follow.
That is 8h50m23s
